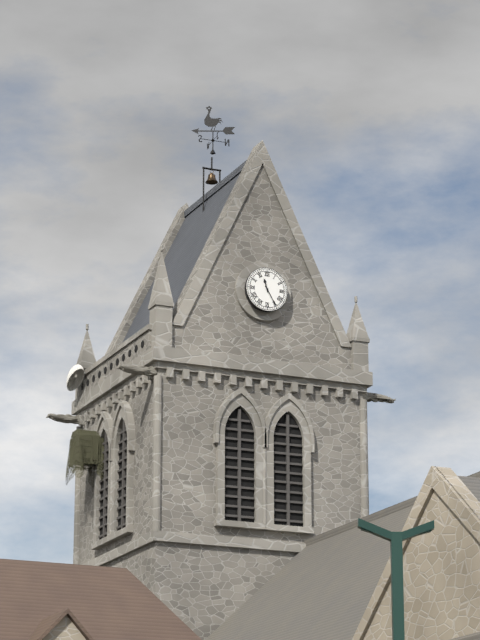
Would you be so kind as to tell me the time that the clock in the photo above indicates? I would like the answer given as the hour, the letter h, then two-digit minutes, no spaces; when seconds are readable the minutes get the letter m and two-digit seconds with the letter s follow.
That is 11h25
